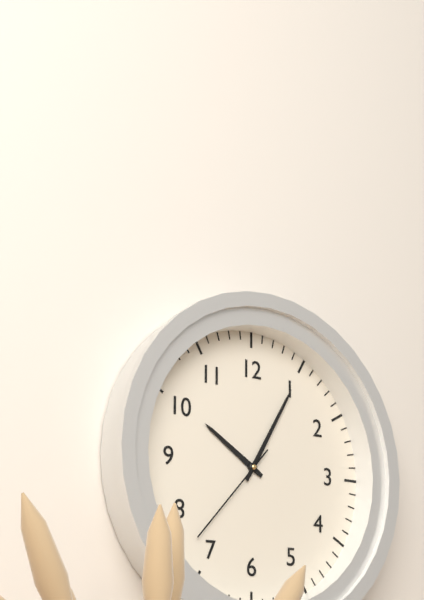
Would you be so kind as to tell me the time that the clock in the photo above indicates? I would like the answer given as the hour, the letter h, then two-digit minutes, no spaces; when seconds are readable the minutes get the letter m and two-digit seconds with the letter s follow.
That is 10h05m37s
